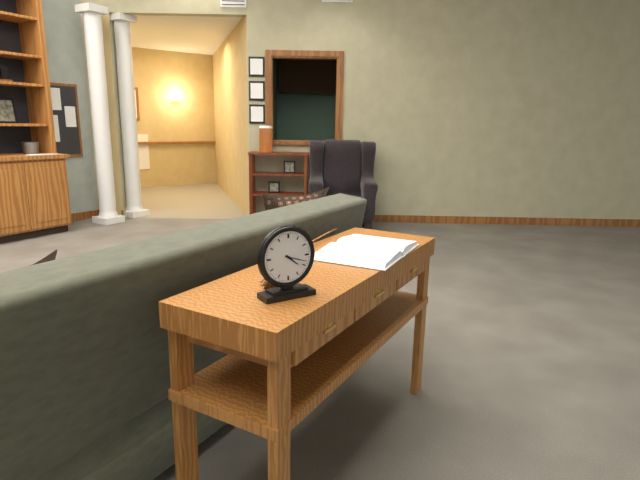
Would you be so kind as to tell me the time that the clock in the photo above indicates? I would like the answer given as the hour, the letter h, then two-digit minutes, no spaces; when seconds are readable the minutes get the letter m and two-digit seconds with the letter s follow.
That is 4h18
